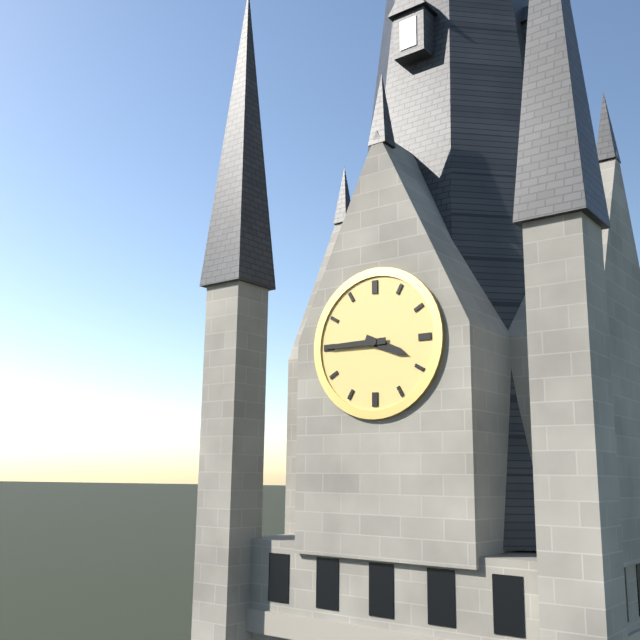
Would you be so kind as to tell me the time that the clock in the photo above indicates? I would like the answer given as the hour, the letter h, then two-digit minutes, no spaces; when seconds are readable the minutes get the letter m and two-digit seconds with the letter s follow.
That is 3h45
